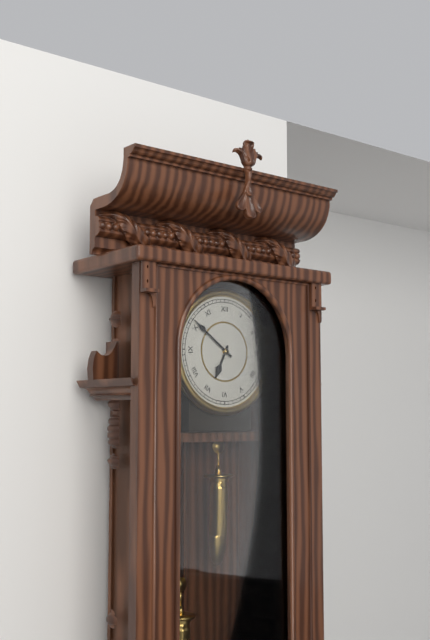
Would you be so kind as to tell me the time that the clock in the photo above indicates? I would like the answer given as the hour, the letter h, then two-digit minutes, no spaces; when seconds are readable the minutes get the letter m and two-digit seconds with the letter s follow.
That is 6h51
